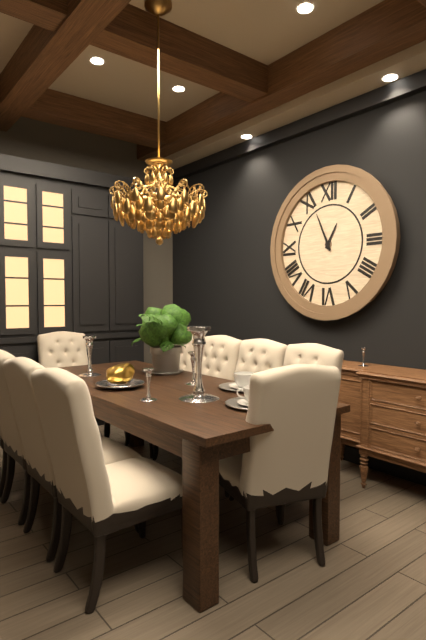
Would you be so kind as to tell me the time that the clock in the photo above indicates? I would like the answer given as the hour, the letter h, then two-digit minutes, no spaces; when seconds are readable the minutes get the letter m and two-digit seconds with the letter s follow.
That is 12h56
